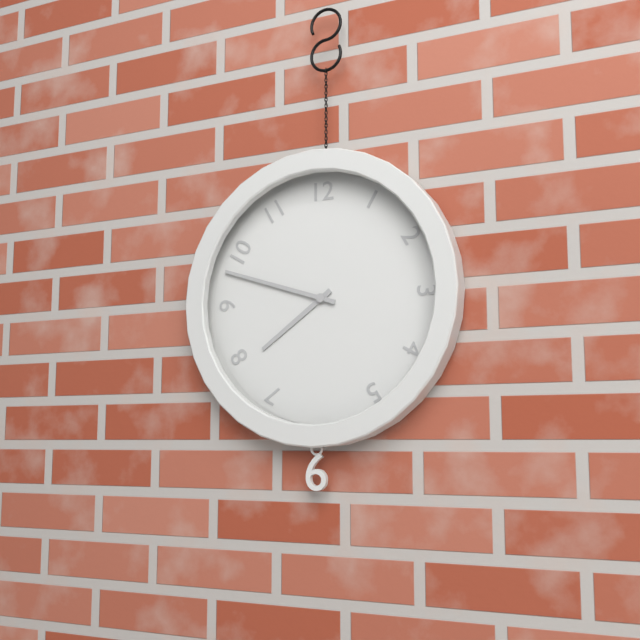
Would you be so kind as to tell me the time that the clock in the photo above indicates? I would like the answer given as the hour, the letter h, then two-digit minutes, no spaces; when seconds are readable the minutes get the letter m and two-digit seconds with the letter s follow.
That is 7h48
